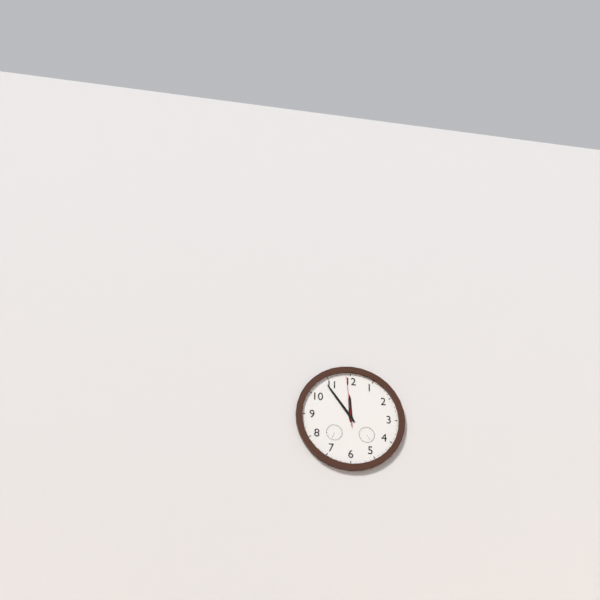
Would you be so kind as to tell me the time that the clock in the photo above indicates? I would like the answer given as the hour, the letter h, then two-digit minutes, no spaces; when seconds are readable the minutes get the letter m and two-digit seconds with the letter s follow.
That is 11h54m59s
